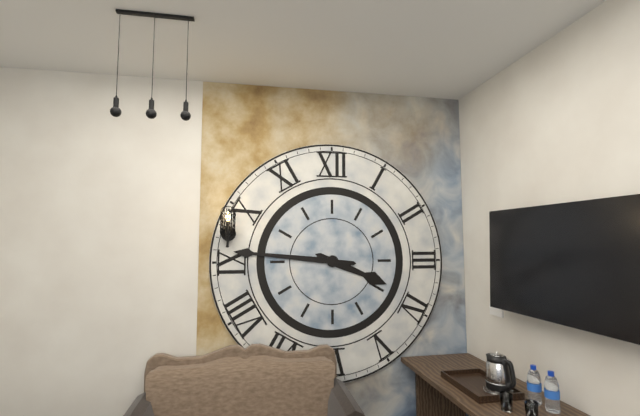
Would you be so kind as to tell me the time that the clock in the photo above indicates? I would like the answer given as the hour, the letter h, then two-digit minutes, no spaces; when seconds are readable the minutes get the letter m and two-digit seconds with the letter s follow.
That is 3h46
